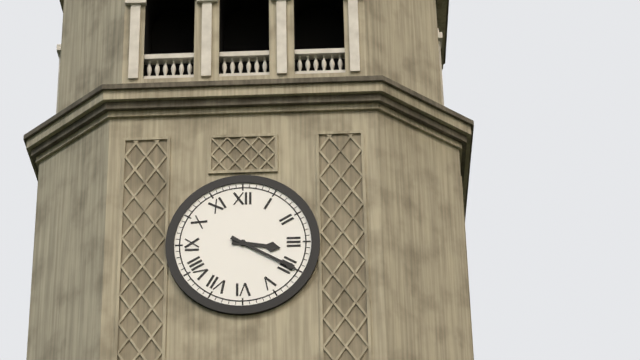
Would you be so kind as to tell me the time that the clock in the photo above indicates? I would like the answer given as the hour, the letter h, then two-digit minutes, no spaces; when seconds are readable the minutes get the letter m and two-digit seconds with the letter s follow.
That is 3h20
